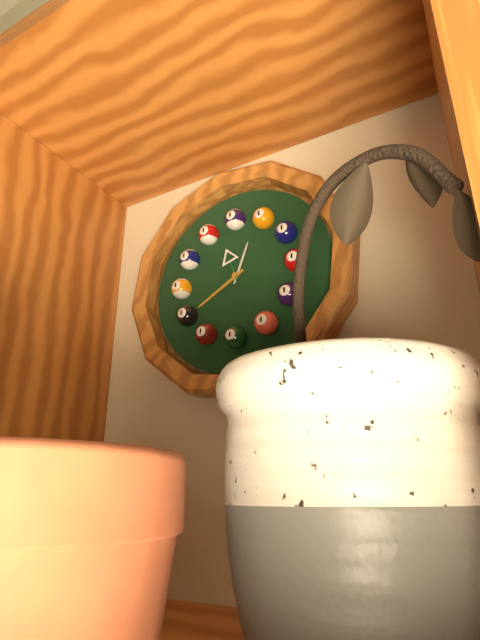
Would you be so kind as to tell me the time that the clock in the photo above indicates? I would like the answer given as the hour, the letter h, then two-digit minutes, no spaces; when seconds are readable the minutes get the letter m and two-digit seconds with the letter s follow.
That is 12h40
